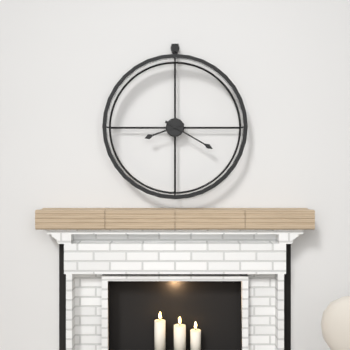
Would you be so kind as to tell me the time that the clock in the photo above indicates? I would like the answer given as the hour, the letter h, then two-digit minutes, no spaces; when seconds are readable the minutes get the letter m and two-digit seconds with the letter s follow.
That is 8h20
